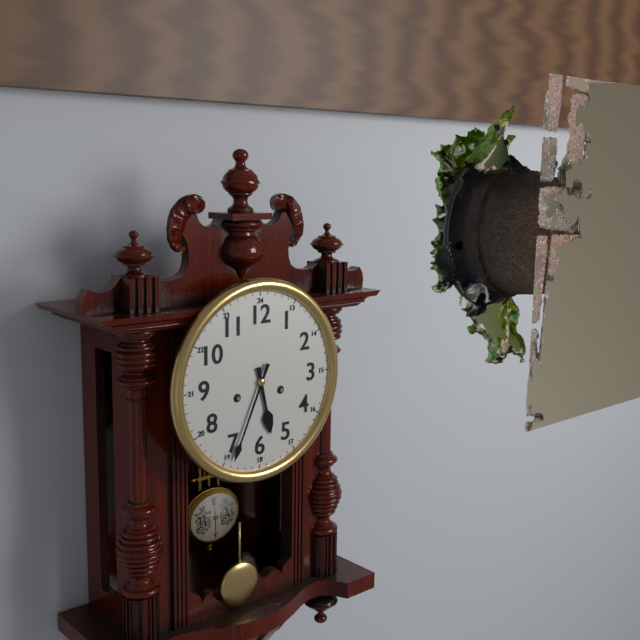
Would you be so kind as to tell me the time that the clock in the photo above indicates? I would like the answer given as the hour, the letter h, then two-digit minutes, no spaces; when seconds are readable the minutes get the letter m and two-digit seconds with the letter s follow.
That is 5h34
